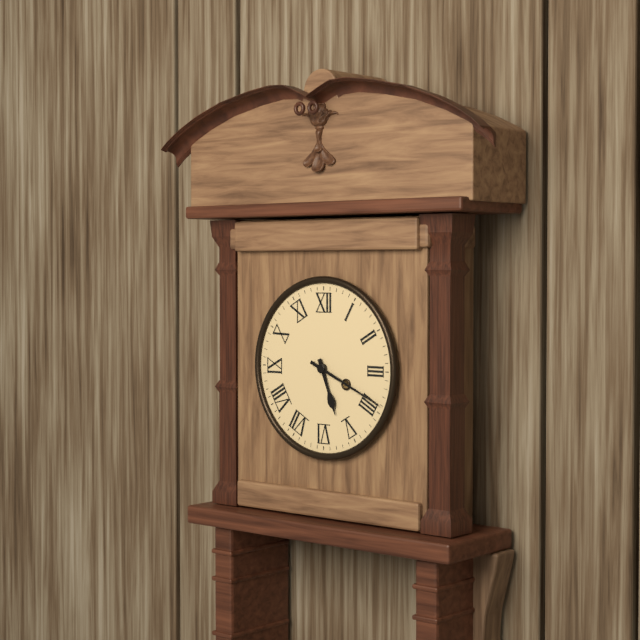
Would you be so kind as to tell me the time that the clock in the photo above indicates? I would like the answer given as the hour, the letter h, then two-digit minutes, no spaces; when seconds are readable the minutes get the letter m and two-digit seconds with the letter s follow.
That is 5h19
